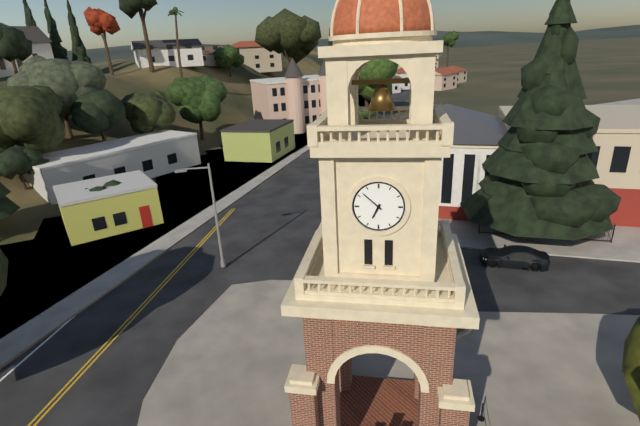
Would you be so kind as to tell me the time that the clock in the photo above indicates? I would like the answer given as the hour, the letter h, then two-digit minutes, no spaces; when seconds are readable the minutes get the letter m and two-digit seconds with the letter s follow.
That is 6h52
